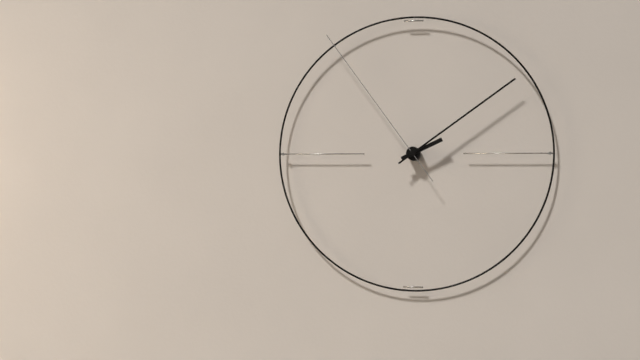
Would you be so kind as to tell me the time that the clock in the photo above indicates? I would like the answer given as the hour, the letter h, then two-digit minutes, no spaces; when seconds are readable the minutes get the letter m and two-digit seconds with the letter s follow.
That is 2h09m54s
